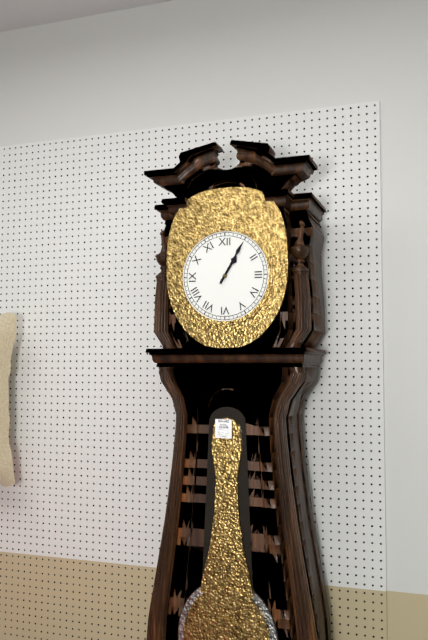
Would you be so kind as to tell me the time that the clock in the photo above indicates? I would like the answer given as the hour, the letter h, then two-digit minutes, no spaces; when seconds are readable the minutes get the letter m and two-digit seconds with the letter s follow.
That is 1h05
